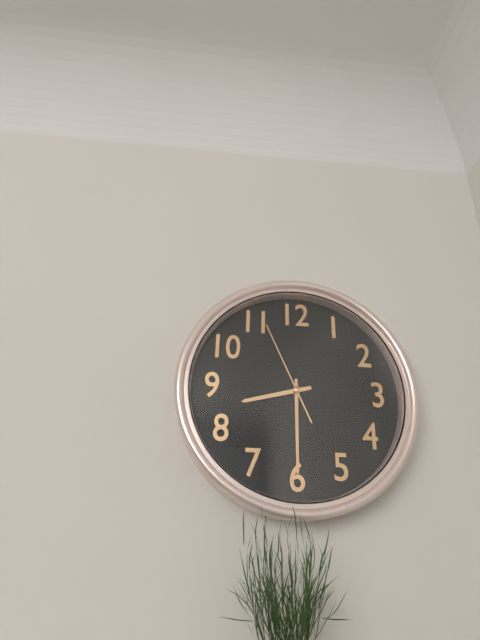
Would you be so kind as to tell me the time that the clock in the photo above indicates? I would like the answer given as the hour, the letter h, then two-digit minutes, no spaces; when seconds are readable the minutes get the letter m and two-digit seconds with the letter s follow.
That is 8h30m56s
